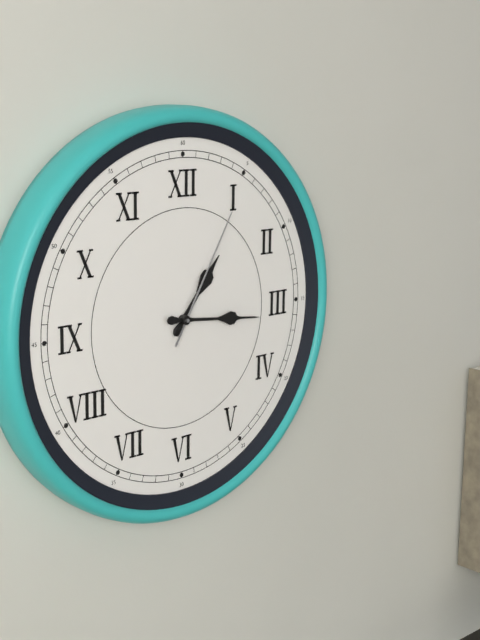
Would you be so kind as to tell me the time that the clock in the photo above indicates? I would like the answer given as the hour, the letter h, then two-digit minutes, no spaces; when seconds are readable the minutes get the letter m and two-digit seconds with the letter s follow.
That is 1h16m05s
